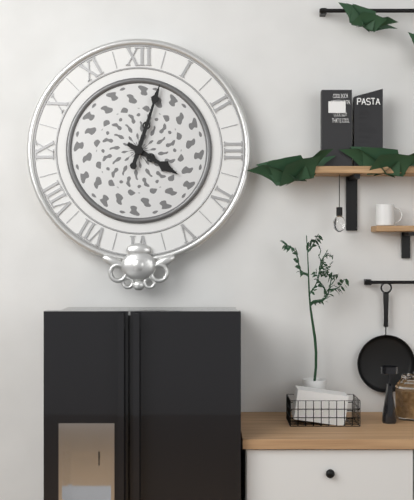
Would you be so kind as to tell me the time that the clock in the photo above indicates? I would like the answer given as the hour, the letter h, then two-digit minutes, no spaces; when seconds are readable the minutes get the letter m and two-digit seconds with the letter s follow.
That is 4h03
